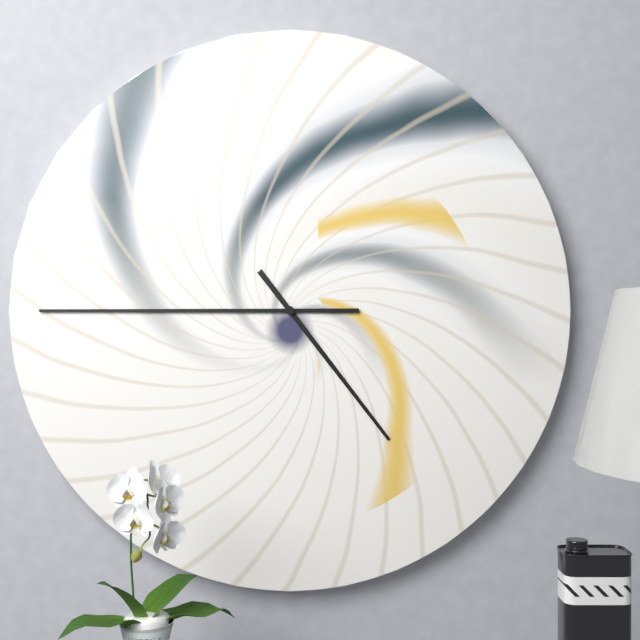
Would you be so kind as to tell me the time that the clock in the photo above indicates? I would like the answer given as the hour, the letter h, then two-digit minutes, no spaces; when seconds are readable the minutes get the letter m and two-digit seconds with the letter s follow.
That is 4h45
